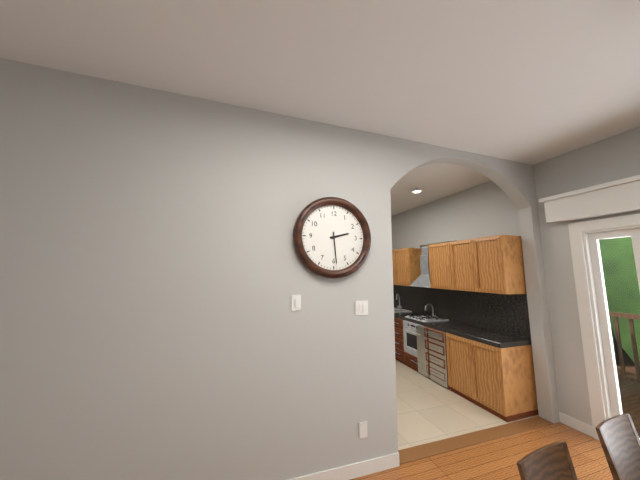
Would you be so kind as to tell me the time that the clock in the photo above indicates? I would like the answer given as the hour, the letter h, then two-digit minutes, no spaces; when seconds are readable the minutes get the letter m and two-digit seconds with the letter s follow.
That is 2h29
